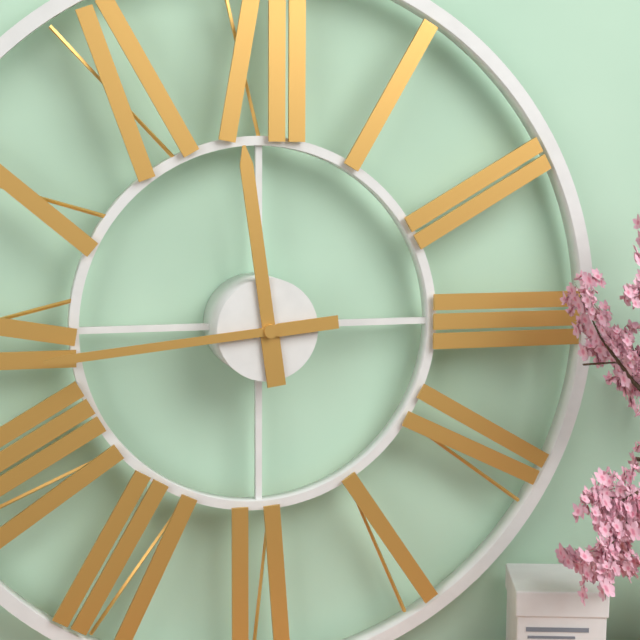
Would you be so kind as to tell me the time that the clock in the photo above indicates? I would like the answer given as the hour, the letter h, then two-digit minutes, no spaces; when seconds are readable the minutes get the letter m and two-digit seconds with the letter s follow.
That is 11h44
